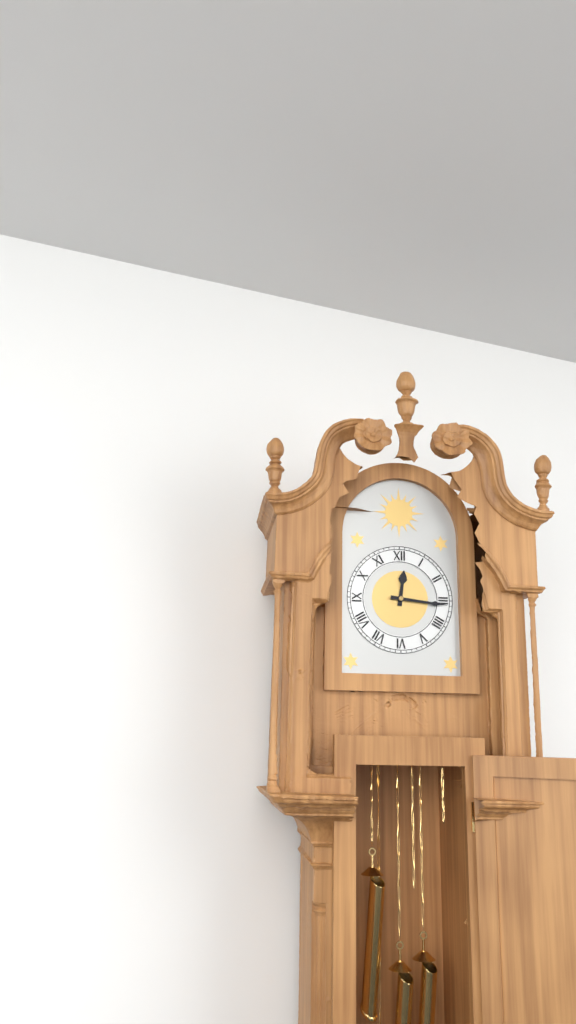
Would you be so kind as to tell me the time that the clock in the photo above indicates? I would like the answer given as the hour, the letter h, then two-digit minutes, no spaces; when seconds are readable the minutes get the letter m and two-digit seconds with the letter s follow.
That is 12h16
